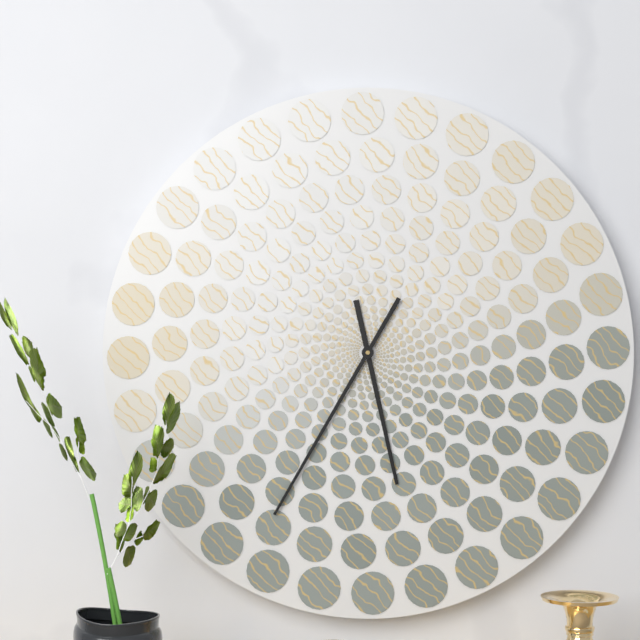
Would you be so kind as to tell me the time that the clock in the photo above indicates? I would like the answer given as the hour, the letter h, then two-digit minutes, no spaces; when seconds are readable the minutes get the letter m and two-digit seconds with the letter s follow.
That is 5h35
